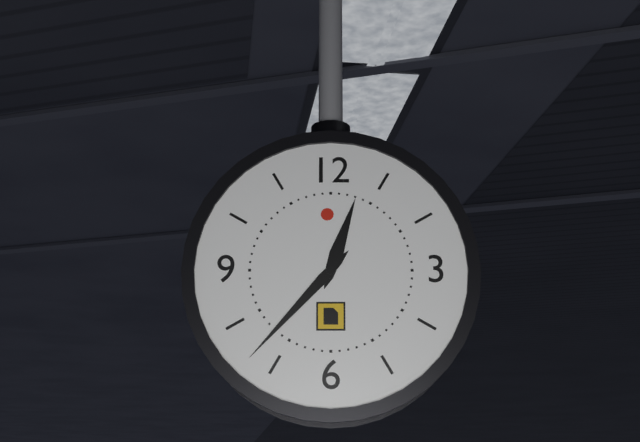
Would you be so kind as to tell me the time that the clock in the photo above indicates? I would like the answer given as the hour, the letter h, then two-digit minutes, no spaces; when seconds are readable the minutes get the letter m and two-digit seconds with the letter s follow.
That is 12h37
